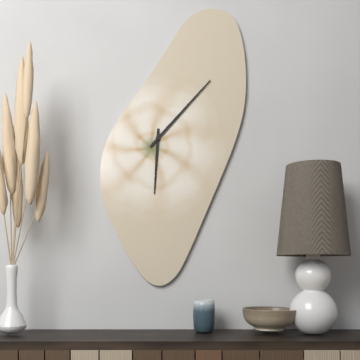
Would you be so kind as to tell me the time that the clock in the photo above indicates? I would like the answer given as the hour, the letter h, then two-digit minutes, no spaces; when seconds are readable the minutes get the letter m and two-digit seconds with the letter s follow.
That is 6h07
